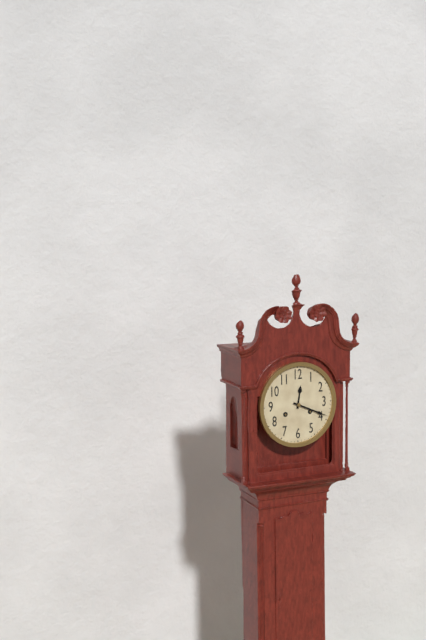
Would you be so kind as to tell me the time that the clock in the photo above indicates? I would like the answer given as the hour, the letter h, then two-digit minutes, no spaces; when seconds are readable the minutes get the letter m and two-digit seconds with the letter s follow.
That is 12h19
